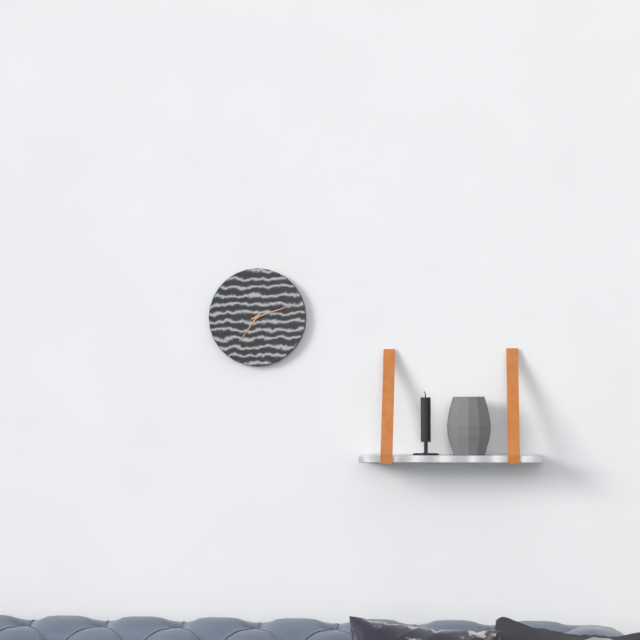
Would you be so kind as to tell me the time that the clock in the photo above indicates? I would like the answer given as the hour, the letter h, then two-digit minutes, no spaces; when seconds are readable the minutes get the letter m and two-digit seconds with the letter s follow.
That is 7h12
